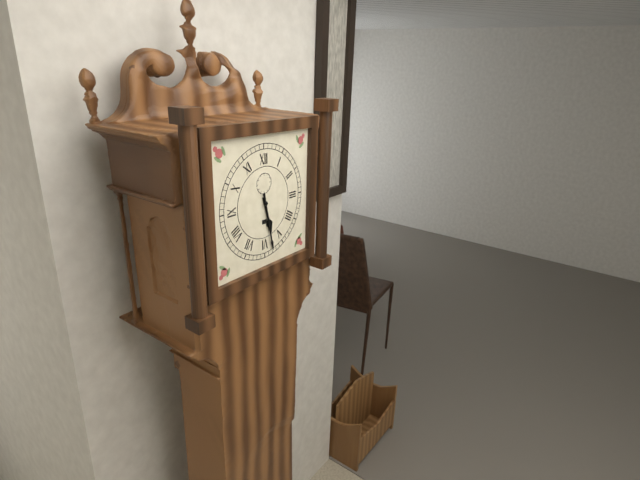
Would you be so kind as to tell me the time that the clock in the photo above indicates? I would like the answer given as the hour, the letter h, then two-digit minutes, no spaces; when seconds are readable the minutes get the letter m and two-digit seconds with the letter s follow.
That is 5h28
